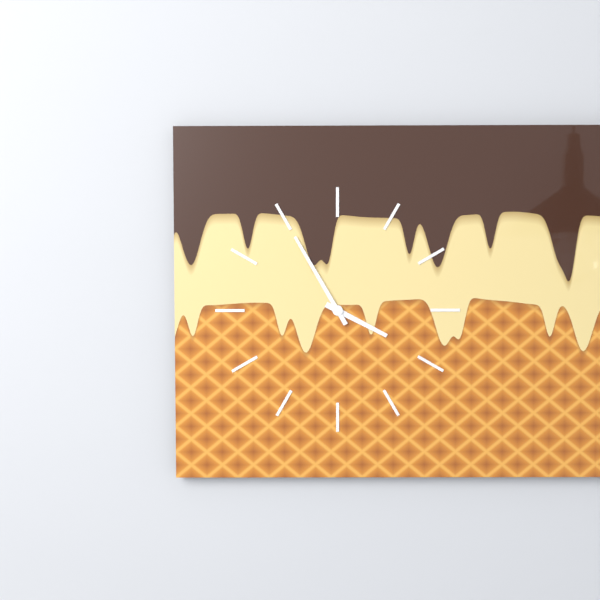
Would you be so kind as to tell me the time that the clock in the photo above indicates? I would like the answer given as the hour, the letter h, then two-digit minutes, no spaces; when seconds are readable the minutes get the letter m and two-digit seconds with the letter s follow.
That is 3h55
